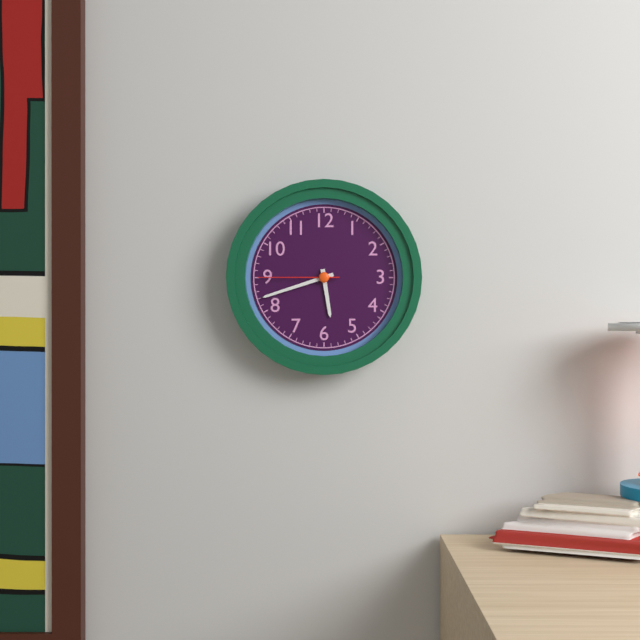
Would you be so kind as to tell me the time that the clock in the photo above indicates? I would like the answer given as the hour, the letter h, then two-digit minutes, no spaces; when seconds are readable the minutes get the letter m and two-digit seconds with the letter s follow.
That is 5h42m45s
